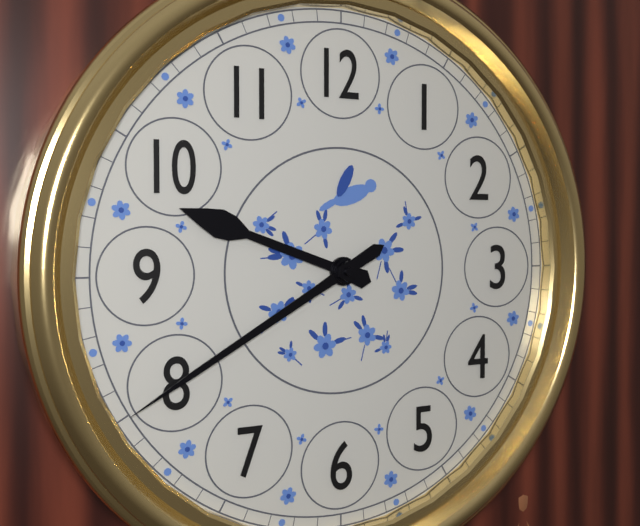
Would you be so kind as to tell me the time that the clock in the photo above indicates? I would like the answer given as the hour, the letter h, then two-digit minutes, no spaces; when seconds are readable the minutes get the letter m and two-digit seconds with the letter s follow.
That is 9h40
